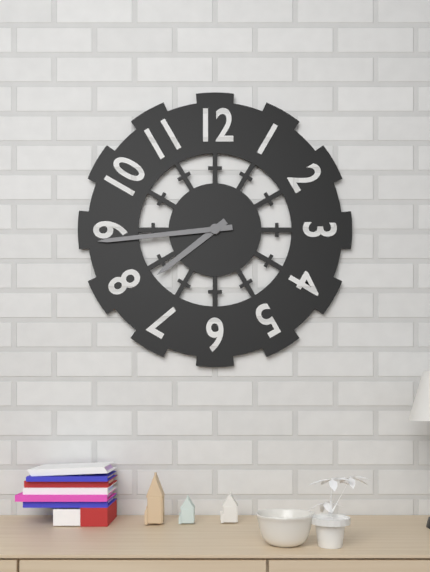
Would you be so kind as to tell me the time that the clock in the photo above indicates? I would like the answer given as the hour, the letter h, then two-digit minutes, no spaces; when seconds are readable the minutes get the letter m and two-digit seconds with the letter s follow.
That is 7h44
